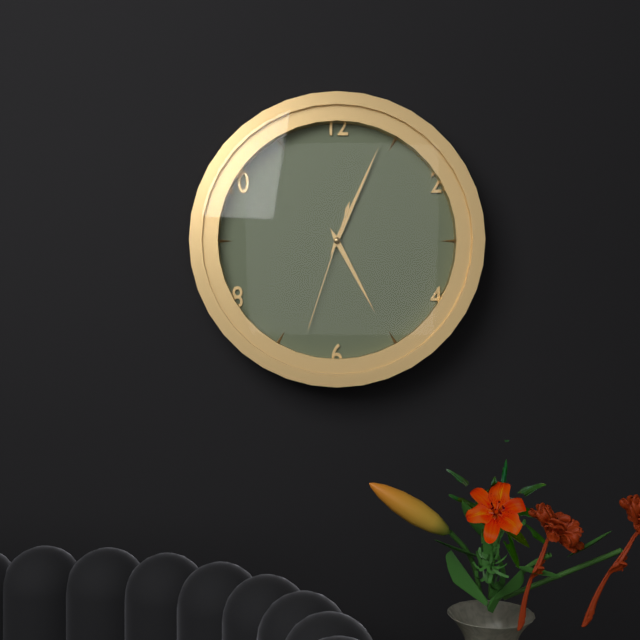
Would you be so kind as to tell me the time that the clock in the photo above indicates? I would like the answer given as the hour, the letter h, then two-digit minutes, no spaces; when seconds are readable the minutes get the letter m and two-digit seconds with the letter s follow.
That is 5h04m33s
